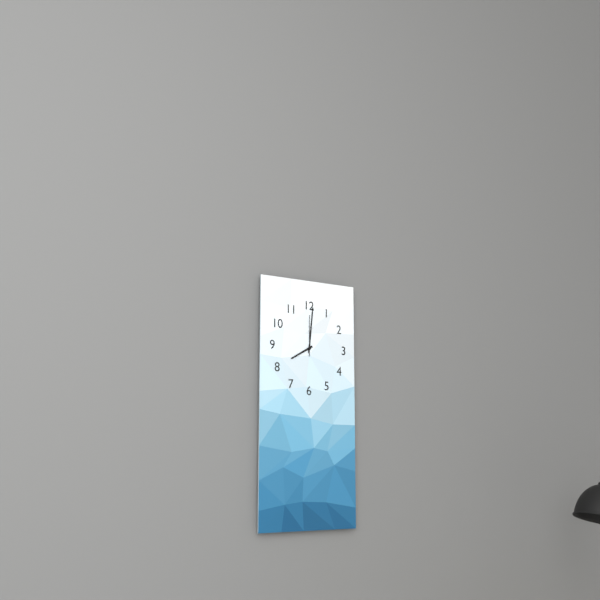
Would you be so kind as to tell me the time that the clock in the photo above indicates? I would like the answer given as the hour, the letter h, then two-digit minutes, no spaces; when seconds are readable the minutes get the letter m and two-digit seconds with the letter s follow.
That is 8h01
